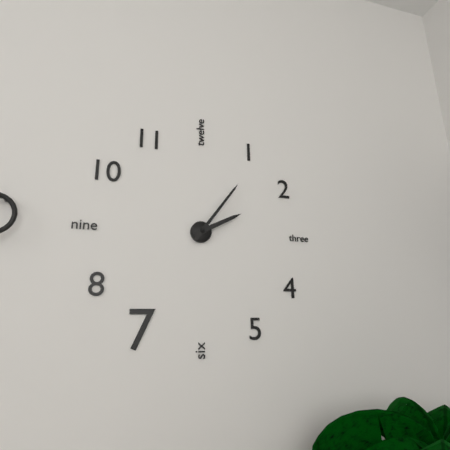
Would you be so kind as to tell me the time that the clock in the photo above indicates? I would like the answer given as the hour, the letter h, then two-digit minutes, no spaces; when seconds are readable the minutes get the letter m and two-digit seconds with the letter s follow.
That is 2h06
